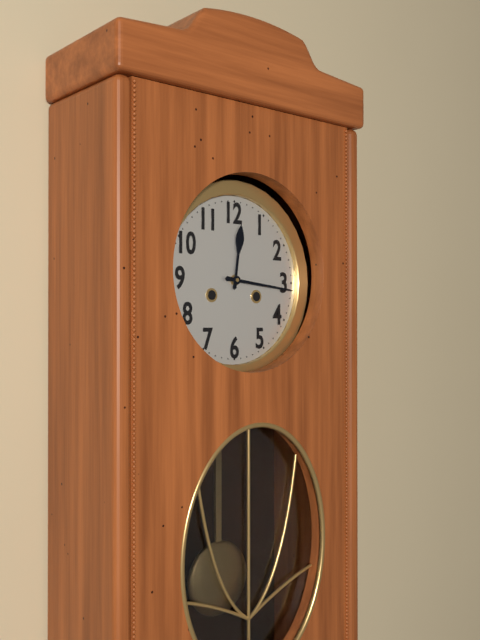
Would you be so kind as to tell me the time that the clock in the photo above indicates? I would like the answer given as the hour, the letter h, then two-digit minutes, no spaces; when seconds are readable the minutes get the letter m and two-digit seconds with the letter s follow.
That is 12h16
